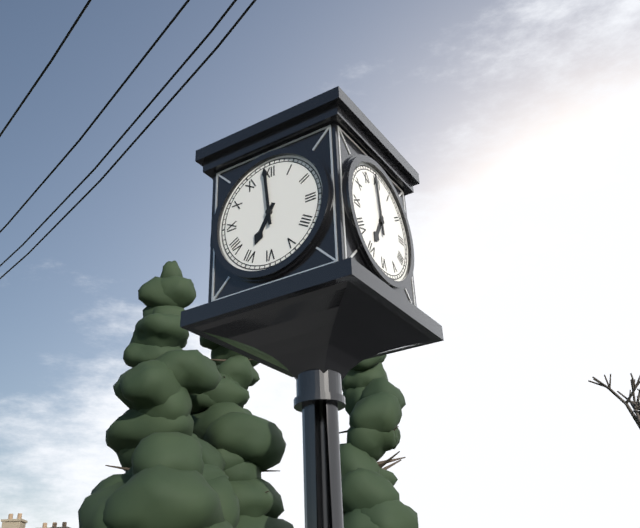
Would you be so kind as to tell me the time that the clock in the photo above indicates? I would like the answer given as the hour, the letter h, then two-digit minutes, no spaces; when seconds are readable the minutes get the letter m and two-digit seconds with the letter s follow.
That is 6h59
